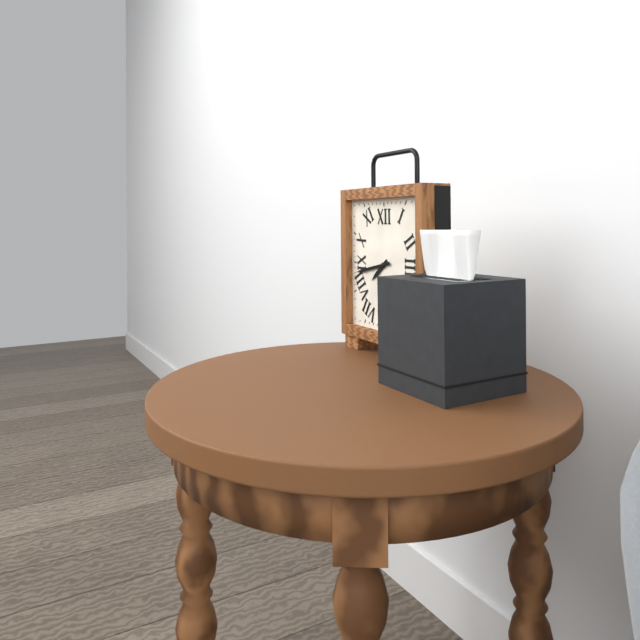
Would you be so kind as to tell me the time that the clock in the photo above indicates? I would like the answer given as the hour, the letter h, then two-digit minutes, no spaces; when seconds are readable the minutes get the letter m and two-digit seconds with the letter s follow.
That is 7h43
